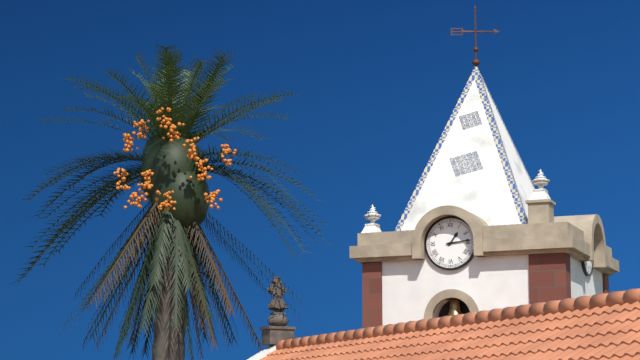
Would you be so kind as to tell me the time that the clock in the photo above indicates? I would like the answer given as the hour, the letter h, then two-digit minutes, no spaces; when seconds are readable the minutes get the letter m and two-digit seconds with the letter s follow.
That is 1h14
